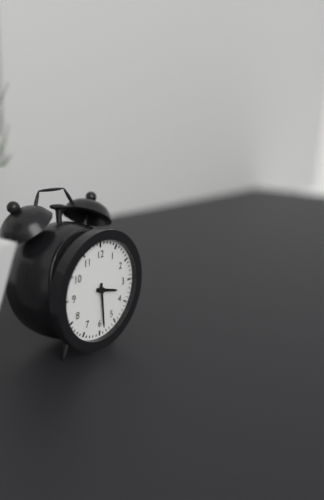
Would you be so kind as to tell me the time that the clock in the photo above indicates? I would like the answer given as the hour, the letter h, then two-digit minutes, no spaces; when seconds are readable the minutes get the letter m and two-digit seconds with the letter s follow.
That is 3h29
